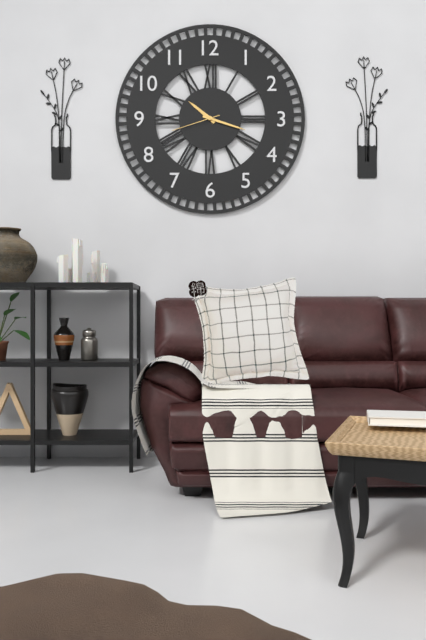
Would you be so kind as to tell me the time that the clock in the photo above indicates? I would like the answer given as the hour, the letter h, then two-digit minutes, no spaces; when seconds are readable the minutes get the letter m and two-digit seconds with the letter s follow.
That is 10h18m42s
